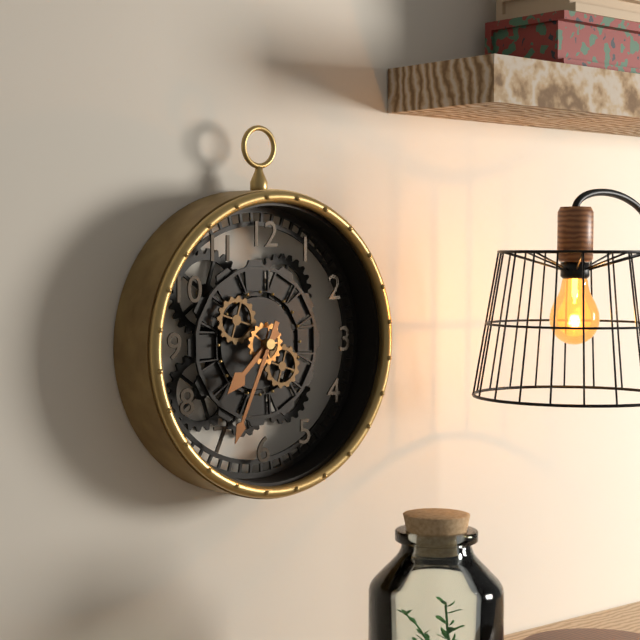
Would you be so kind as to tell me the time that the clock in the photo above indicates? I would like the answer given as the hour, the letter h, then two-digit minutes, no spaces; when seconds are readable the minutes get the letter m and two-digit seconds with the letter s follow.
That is 7h34
